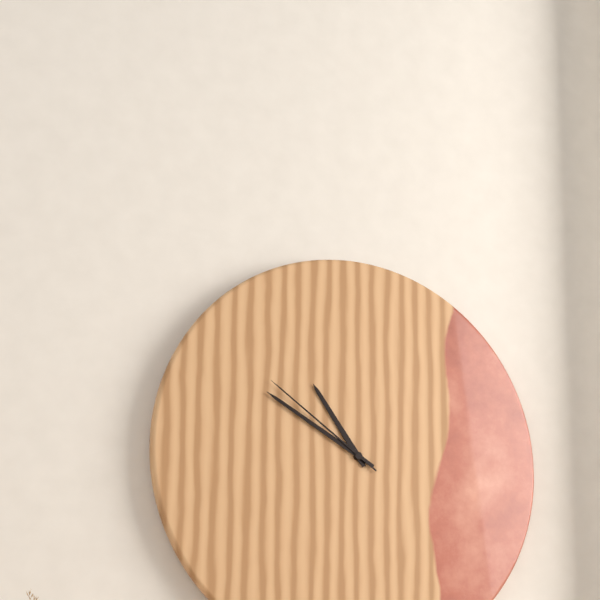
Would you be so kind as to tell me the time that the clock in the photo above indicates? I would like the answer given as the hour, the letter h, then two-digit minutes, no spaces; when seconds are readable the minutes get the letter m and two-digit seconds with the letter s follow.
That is 10h50m51s
